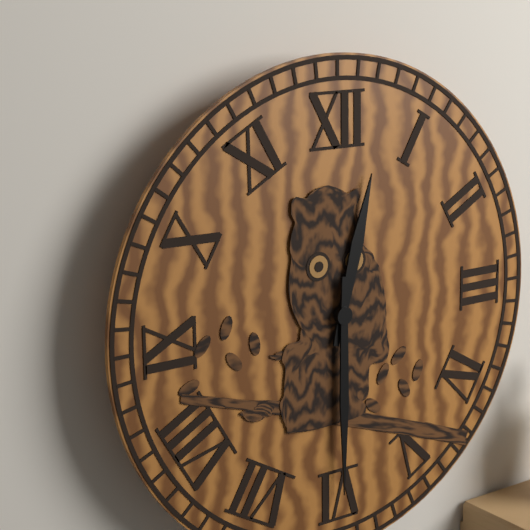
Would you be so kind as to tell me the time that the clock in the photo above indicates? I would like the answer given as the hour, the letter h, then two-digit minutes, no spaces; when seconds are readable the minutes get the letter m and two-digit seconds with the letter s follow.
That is 12h30
